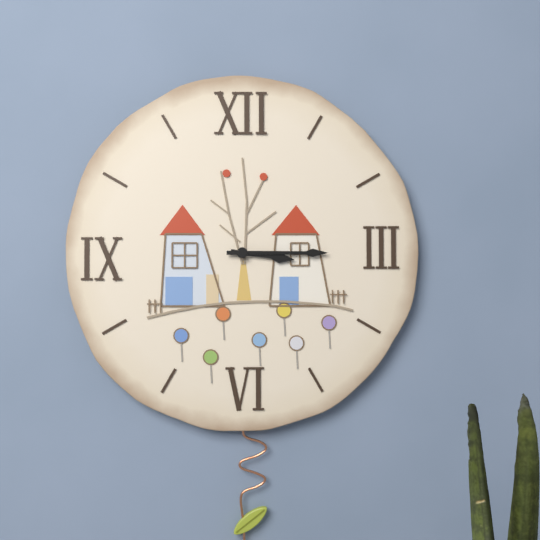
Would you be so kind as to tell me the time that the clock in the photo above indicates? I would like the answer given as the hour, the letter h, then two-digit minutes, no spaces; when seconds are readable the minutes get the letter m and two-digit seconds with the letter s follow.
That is 3h15
